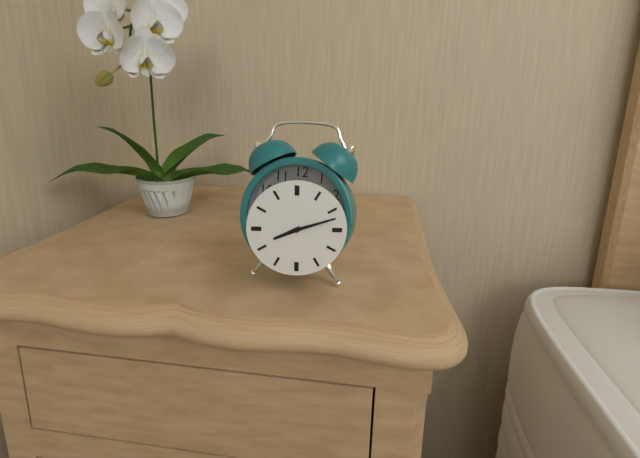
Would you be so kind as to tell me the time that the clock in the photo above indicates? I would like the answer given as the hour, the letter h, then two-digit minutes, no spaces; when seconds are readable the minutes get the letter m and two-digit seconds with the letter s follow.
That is 8h12
